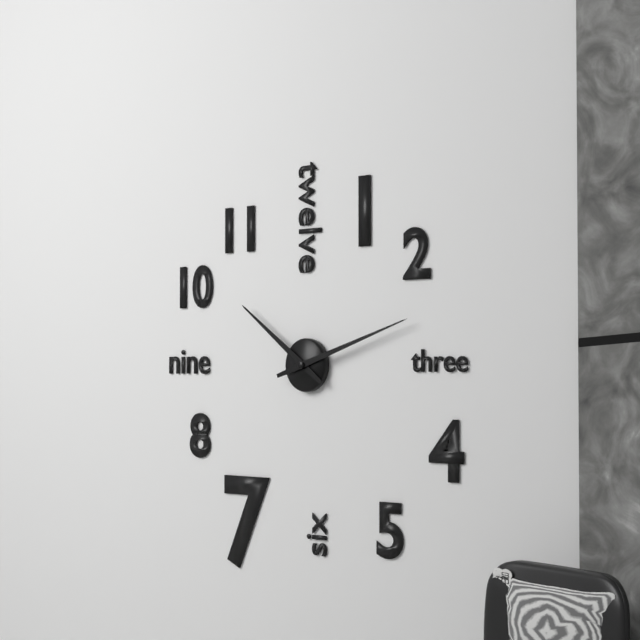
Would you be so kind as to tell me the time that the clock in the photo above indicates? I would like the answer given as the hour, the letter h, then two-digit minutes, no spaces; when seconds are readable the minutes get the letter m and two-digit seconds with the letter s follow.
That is 10h12
